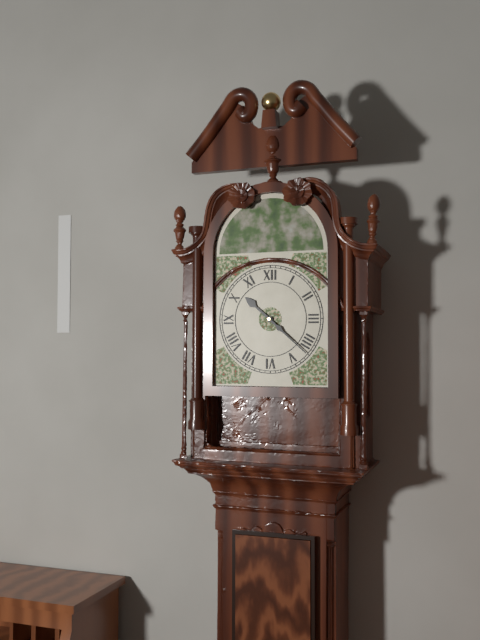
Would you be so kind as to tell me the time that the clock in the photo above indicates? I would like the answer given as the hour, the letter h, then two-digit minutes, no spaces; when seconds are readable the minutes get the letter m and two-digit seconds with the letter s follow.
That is 10h22
